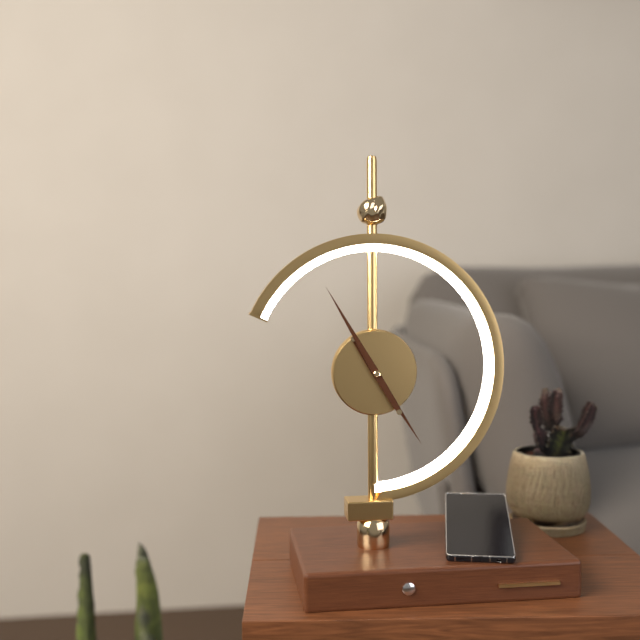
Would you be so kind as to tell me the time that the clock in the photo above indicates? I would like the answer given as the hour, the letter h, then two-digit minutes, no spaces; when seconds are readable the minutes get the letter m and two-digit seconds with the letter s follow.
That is 4h55
